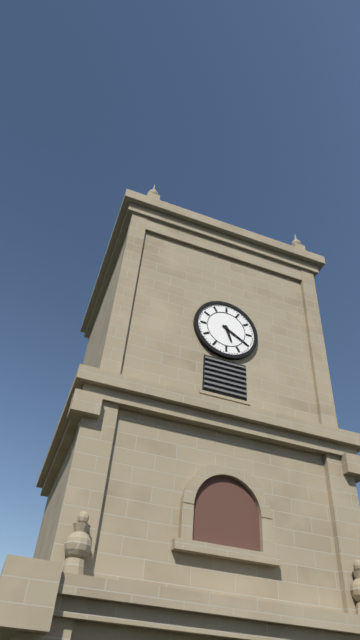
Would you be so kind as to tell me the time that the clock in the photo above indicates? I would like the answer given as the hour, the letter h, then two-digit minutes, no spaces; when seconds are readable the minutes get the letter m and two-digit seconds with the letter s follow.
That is 5h20
